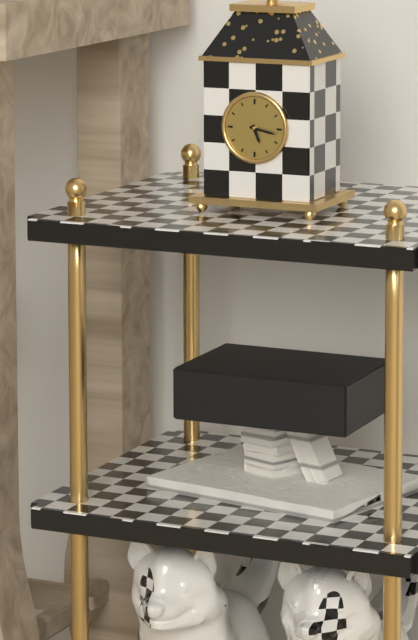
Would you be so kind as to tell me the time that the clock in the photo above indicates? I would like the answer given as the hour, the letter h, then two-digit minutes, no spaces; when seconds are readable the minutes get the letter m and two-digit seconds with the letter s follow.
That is 5h17
